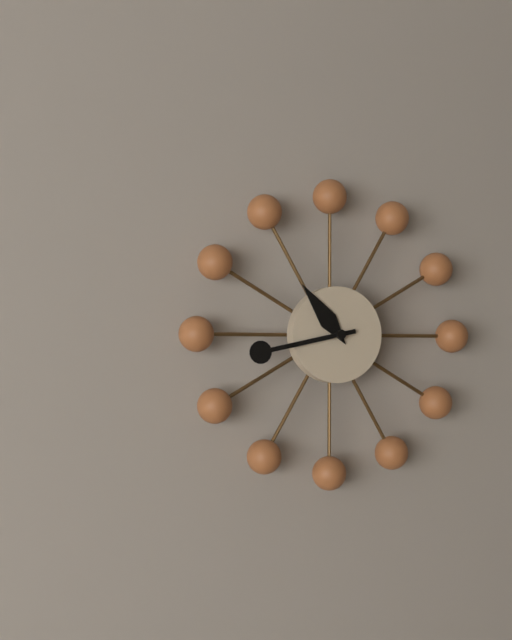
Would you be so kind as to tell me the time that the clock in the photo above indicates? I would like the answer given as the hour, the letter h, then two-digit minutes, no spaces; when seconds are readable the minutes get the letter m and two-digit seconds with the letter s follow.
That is 10h43
